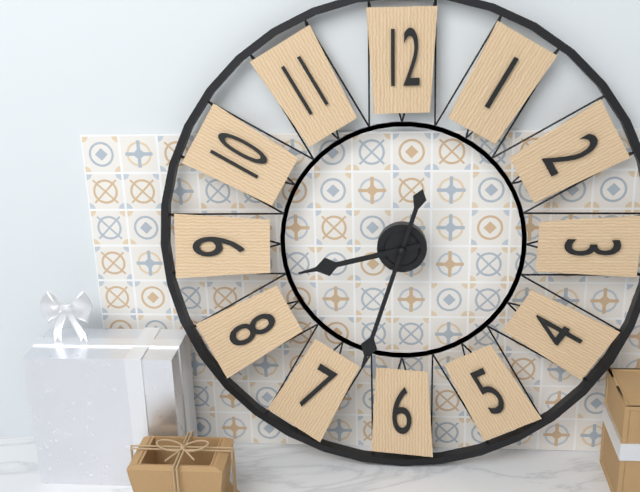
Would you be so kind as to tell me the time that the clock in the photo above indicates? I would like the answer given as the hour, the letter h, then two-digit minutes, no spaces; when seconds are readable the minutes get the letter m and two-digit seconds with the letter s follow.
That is 8h33
